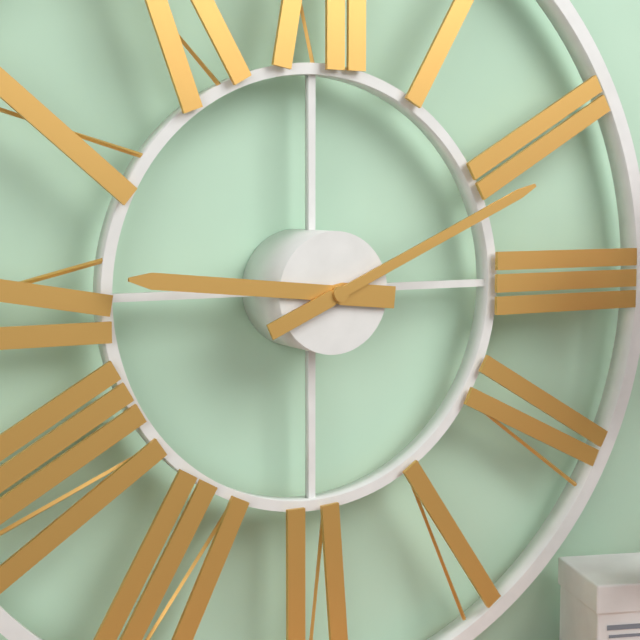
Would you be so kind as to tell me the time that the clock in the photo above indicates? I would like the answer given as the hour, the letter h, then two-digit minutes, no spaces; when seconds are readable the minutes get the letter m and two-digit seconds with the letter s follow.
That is 9h11
